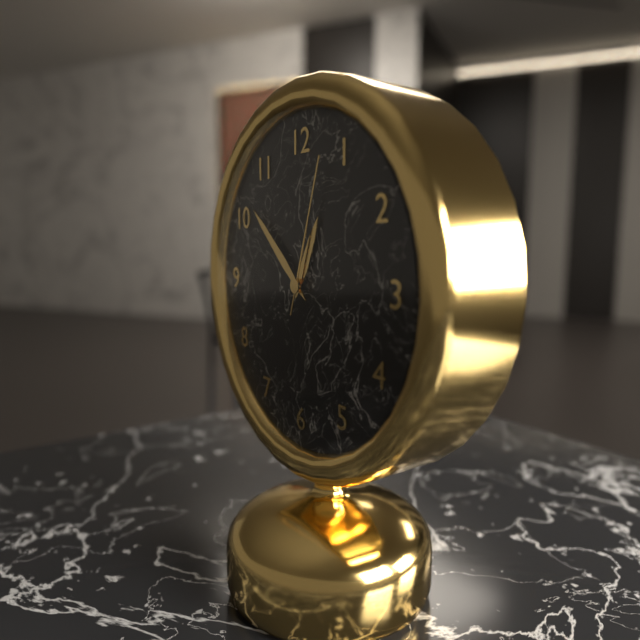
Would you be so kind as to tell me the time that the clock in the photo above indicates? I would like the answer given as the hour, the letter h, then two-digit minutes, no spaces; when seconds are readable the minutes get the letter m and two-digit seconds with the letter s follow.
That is 12h52m03s
